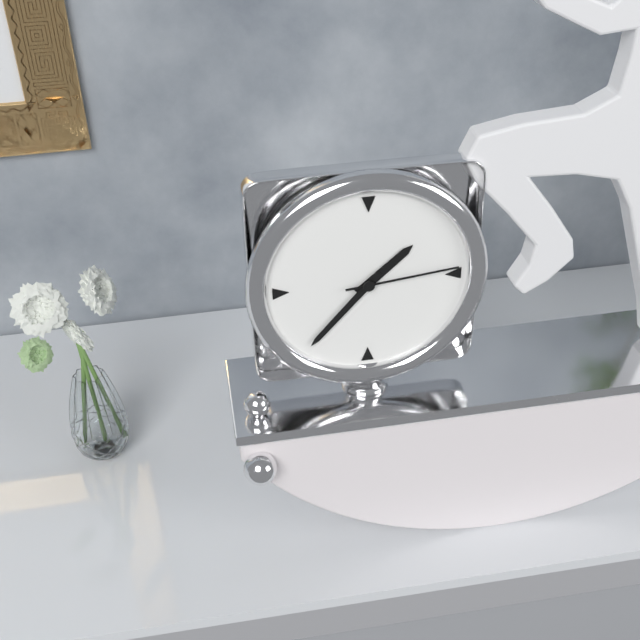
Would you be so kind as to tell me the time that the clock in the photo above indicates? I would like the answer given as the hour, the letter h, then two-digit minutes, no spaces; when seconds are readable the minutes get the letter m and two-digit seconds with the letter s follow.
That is 1h37m14s
